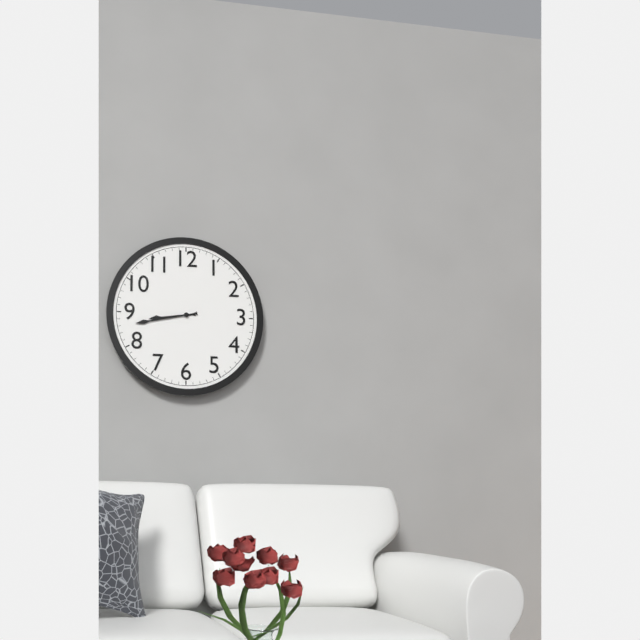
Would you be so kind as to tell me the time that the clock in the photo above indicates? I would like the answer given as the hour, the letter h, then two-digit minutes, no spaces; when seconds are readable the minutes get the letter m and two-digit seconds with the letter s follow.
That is 8h43
